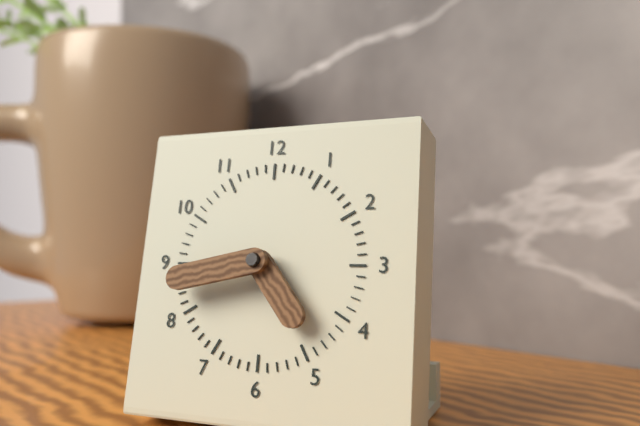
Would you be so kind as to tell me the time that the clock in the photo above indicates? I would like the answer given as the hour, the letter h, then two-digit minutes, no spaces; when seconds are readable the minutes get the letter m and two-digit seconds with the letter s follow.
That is 4h43
